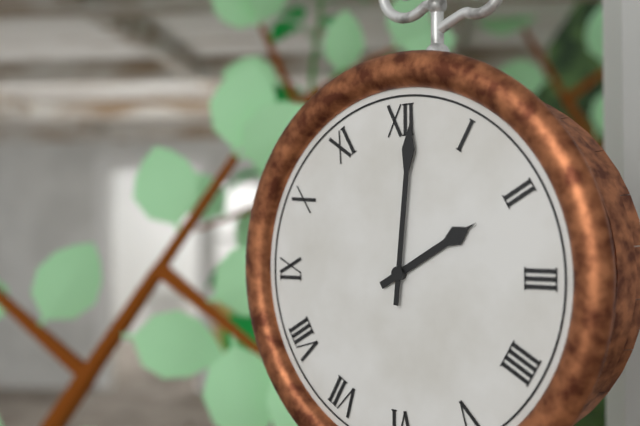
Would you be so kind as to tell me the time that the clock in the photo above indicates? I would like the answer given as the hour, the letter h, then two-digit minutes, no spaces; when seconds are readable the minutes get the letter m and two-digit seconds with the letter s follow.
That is 2h01
